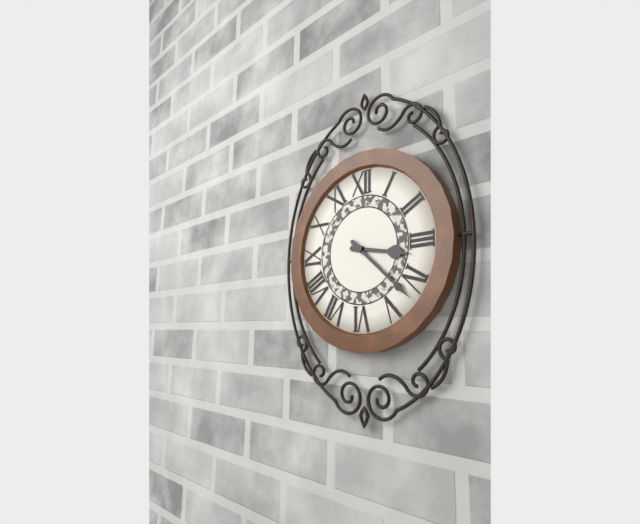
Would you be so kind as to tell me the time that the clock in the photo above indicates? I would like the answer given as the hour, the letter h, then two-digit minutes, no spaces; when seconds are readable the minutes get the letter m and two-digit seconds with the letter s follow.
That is 3h22
